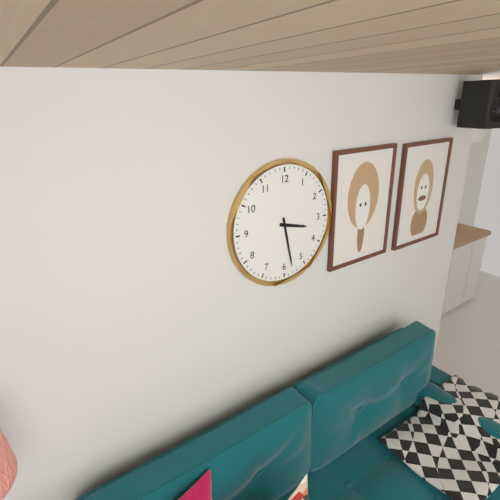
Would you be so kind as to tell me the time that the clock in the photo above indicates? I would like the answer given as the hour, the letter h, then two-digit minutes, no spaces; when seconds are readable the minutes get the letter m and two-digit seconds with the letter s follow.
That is 3h28
